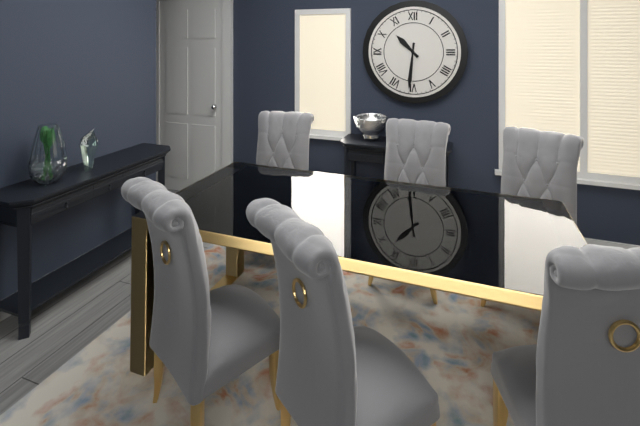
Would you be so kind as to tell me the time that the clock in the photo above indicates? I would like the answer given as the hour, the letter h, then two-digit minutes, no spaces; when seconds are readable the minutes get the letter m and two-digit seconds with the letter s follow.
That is 10h31
